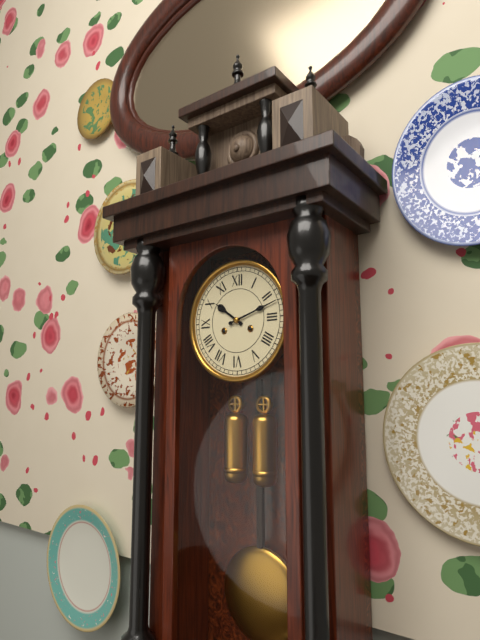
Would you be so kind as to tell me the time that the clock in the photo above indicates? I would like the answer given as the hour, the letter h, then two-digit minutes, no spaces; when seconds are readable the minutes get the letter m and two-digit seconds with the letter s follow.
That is 10h12
